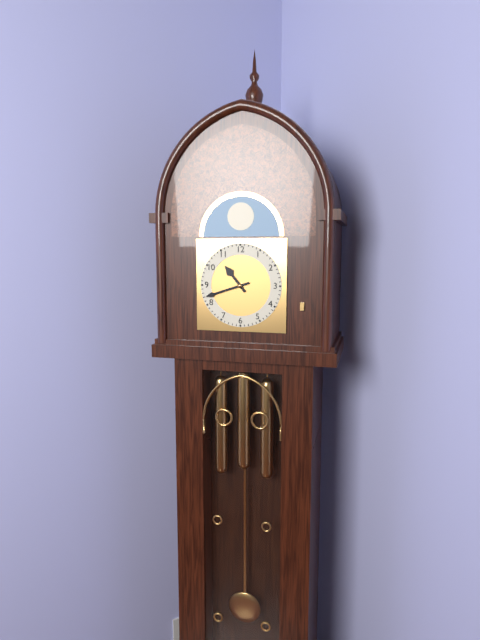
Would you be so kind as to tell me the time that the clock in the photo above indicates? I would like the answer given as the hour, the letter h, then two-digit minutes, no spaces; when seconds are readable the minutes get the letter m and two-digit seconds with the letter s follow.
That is 10h42
